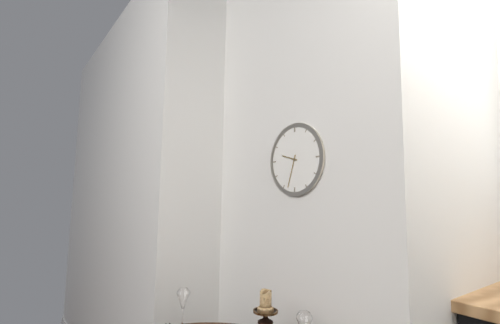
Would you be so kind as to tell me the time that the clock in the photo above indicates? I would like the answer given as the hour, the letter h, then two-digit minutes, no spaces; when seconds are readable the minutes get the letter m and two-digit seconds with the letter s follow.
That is 9h33
